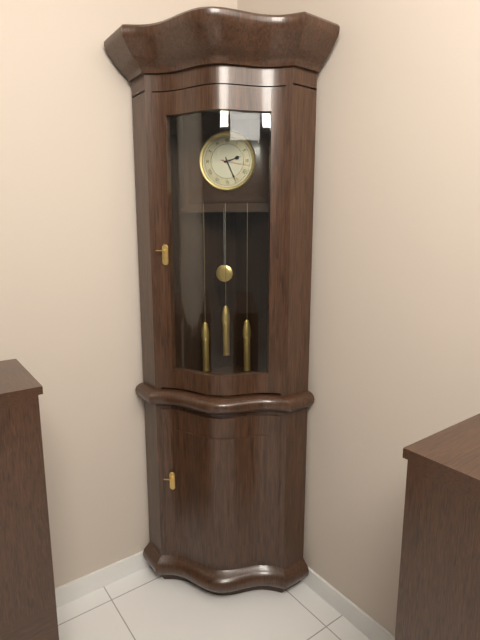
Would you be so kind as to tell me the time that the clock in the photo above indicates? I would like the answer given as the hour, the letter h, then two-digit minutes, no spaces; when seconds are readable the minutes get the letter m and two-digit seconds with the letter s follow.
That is 2h26
